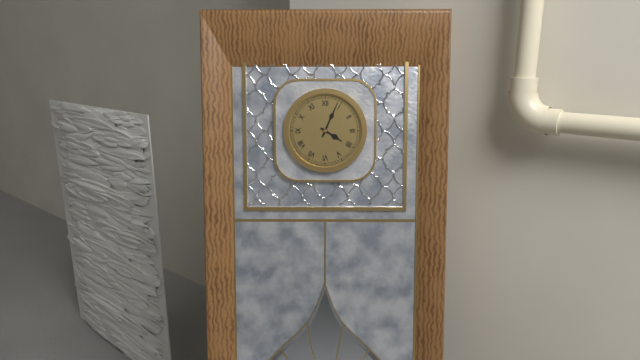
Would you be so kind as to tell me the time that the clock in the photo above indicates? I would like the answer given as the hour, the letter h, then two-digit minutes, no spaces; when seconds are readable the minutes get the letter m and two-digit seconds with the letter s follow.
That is 4h04
